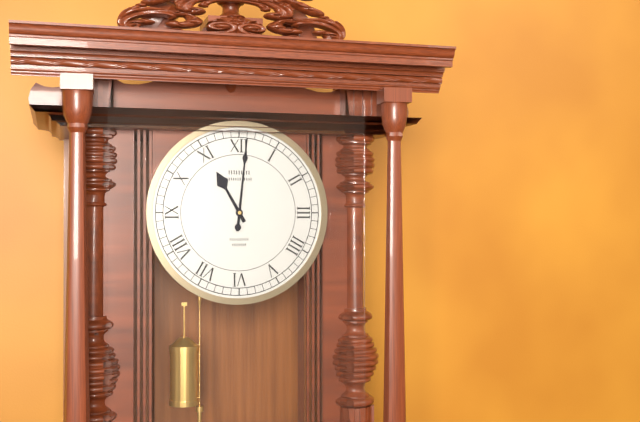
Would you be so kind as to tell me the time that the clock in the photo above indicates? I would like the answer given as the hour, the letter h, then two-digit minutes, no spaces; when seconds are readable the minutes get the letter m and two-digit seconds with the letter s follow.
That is 11h01
